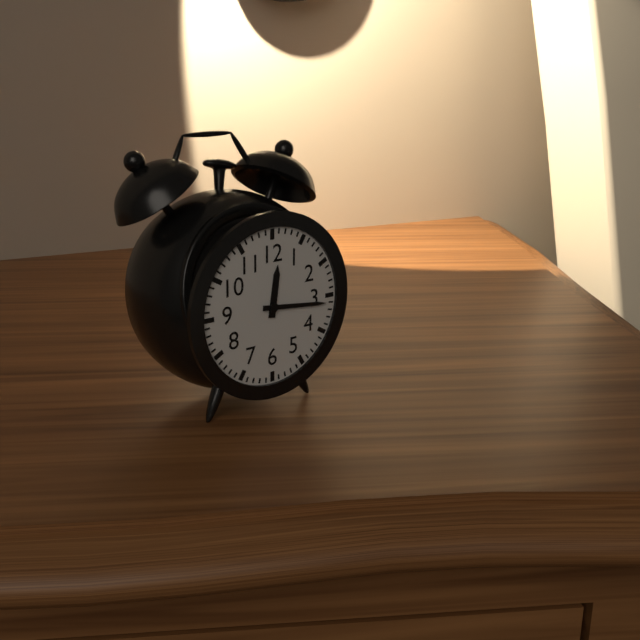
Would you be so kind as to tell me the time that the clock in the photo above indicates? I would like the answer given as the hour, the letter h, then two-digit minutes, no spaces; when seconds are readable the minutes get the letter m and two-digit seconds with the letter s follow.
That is 12h16
